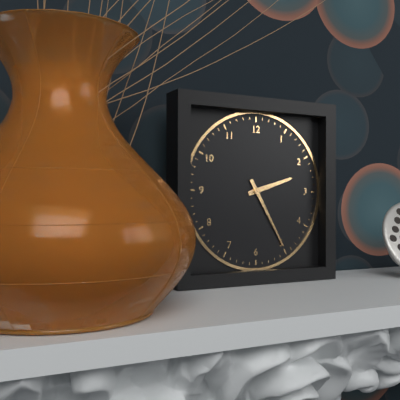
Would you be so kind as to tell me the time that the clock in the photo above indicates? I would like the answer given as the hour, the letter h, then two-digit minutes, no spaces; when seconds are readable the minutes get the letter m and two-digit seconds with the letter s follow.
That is 2h25
